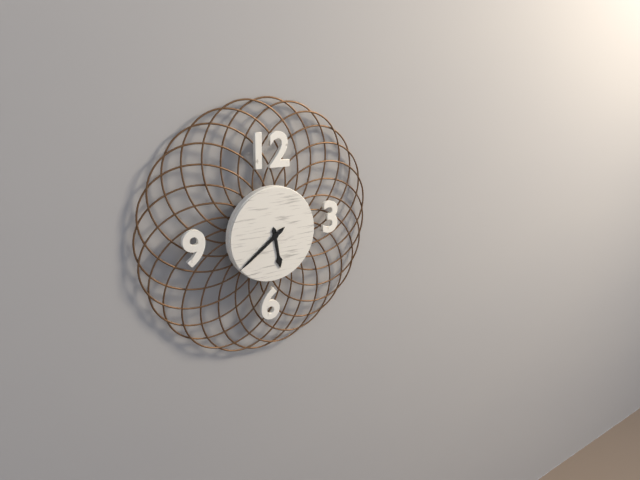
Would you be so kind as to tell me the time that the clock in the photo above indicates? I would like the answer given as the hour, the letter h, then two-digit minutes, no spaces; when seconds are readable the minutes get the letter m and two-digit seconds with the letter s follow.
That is 5h39
